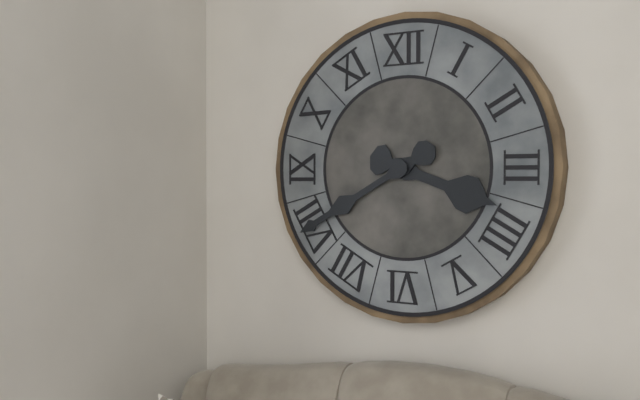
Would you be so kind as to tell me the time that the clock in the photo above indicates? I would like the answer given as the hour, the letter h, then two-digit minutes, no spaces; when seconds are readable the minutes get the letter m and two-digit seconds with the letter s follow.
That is 3h40
